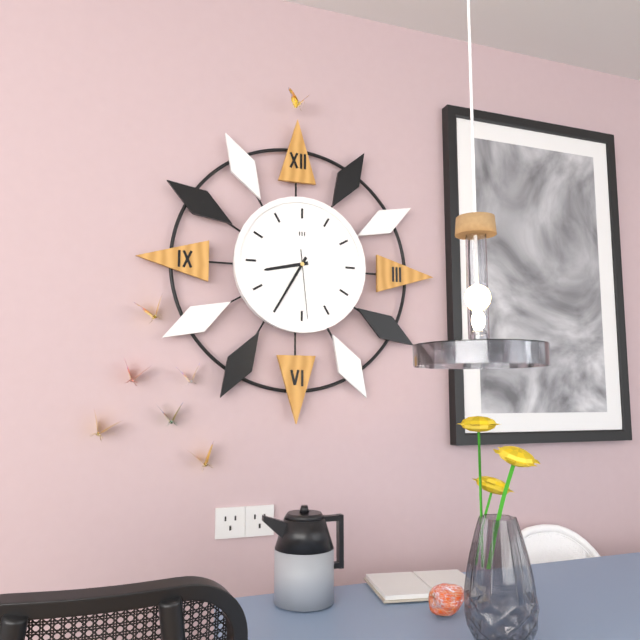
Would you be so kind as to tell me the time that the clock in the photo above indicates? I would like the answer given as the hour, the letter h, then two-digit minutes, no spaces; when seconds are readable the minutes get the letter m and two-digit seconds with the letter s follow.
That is 8h35m29s
